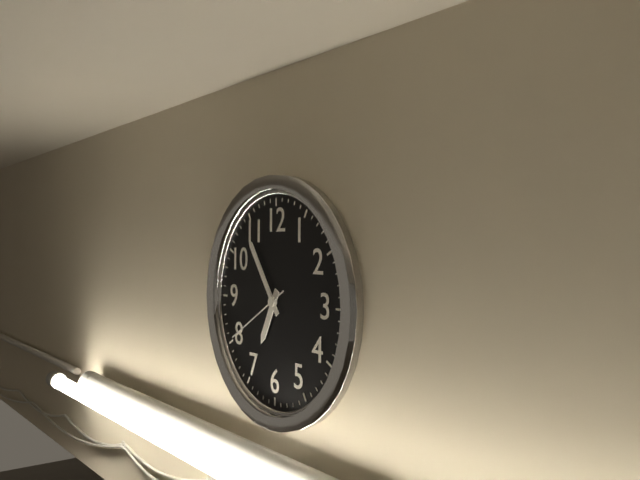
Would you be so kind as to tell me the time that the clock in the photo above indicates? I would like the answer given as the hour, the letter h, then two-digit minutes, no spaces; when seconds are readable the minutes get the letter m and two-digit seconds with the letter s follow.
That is 6h54m40s
